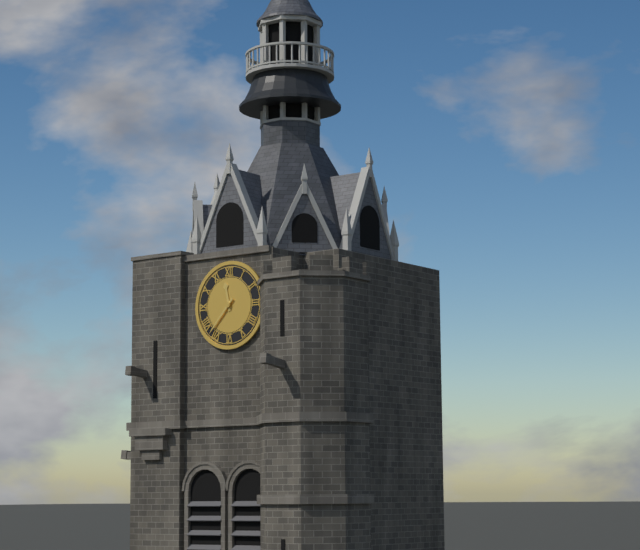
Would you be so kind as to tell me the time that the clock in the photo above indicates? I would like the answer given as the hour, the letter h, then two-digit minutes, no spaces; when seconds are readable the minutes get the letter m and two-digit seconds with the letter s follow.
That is 11h37
